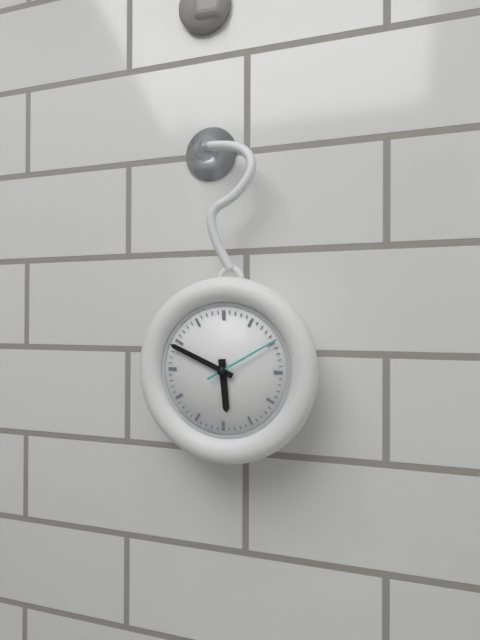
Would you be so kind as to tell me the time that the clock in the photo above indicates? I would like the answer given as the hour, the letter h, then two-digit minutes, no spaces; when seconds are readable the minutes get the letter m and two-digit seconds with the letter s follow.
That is 5h49m10s
